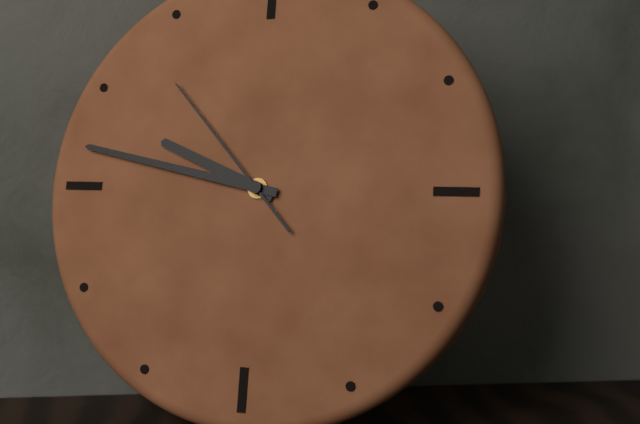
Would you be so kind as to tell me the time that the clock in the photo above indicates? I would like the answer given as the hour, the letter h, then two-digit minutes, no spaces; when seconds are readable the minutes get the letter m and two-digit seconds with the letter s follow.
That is 9h47m53s
